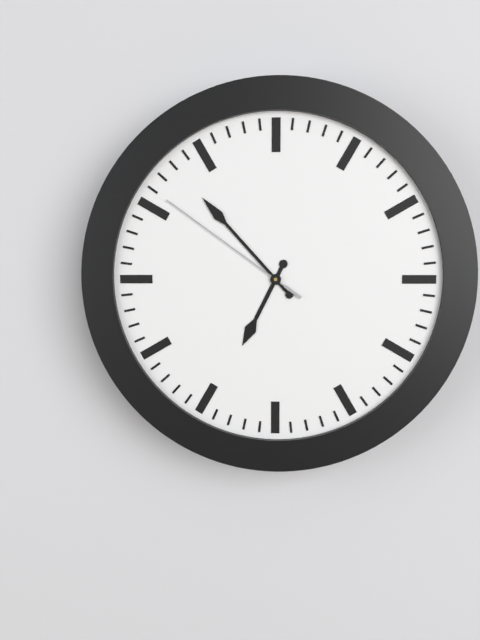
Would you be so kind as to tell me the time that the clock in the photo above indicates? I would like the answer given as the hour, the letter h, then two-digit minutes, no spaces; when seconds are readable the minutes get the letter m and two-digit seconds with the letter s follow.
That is 6h53m51s
